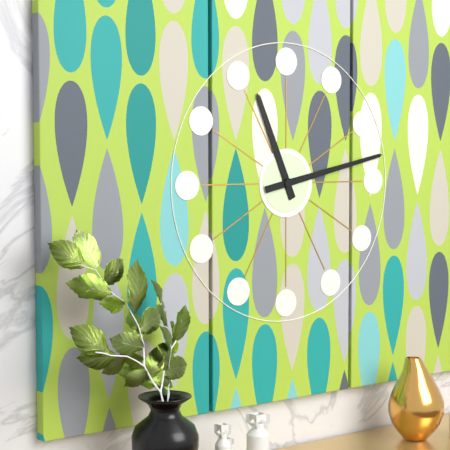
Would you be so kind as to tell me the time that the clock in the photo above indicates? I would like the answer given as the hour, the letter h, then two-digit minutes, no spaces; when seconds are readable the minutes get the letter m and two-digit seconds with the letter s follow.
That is 11h13
